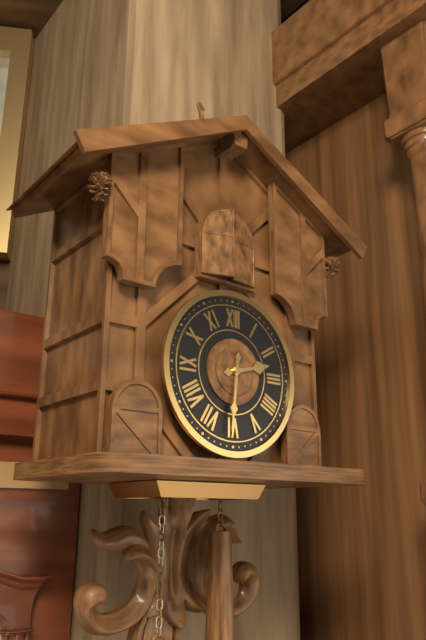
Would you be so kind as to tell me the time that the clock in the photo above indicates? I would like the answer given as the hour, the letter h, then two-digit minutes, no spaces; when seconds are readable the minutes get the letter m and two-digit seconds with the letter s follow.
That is 2h31
